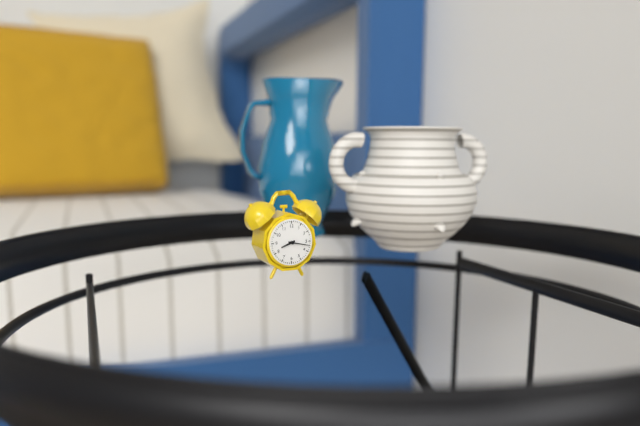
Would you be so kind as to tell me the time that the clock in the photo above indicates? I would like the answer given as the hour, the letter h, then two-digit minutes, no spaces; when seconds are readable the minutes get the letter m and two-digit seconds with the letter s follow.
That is 8h17
